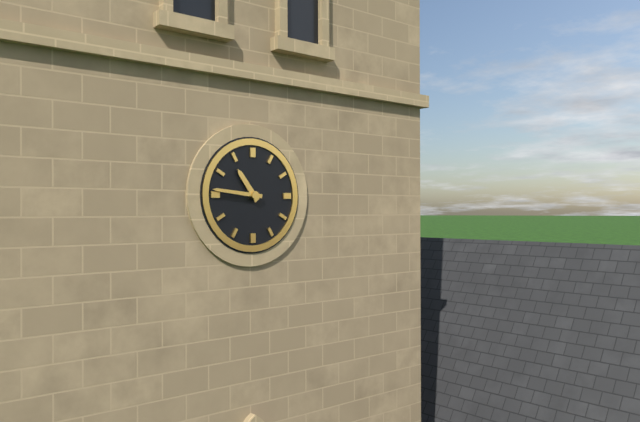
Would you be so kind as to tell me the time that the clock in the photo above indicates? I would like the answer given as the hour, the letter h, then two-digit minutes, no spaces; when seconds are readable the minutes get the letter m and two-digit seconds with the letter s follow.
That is 10h46
